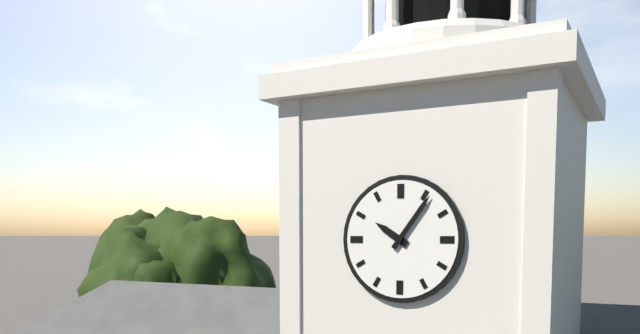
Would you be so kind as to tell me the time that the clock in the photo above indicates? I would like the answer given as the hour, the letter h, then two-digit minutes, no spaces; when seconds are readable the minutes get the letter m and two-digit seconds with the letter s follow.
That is 10h06
